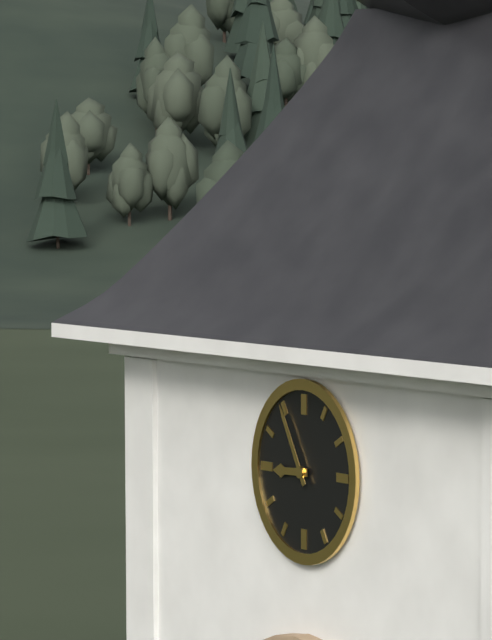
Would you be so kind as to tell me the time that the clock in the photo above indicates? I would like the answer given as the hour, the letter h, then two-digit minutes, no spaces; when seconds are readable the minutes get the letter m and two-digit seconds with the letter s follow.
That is 8h55
